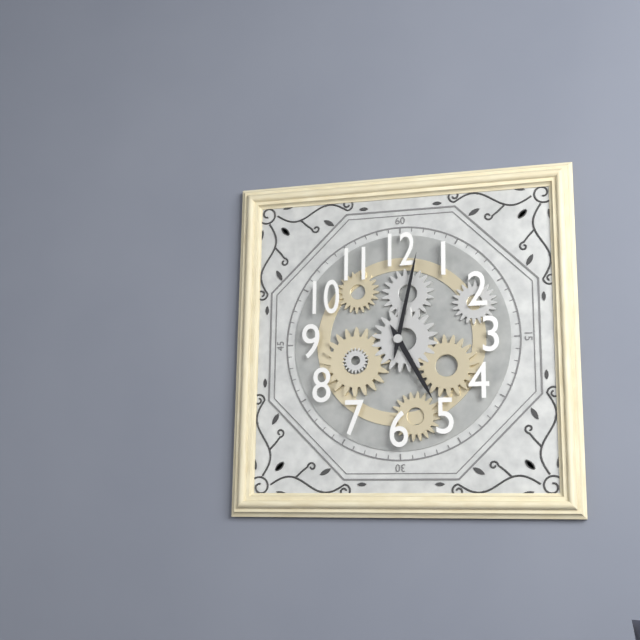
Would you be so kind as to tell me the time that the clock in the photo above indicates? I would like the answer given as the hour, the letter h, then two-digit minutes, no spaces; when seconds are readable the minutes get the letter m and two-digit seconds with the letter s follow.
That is 5h02
